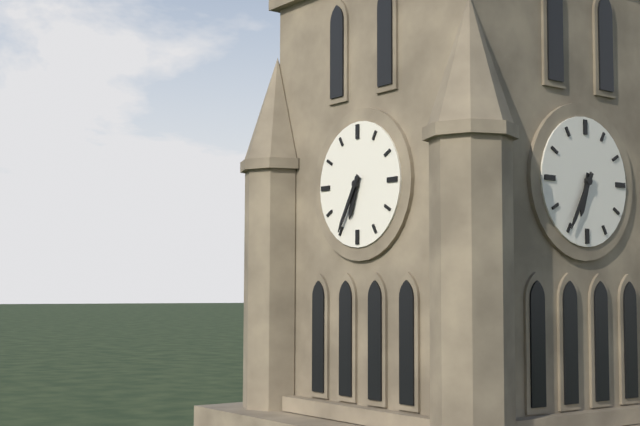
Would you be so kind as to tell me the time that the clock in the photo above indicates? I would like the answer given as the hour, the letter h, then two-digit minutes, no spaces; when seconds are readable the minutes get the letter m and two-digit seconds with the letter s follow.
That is 6h35
